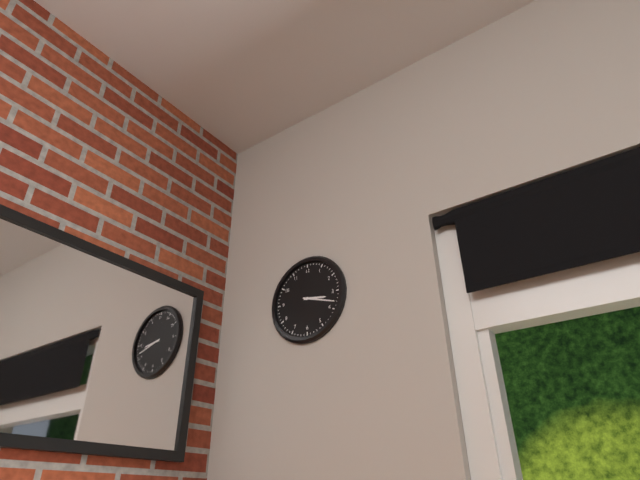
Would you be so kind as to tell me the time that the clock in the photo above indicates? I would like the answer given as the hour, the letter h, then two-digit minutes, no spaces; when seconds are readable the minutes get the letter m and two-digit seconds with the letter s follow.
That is 3h18
